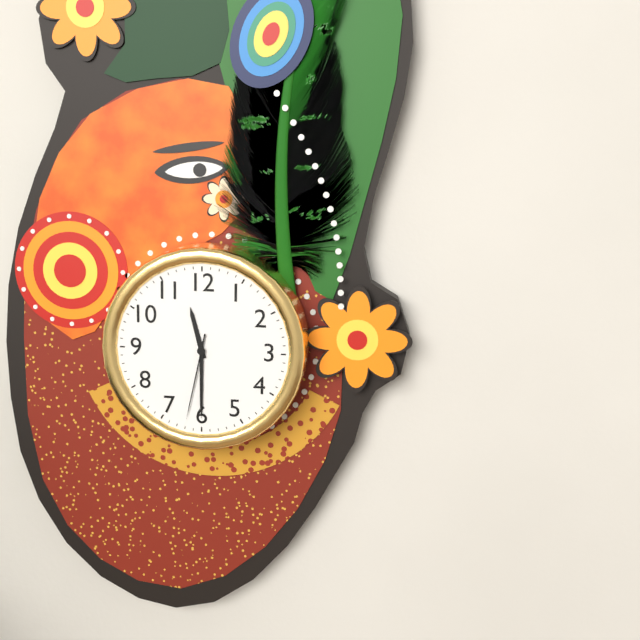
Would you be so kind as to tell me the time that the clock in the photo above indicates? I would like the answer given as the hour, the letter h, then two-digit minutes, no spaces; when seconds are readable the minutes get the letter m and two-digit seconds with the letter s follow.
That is 11h30m32s
